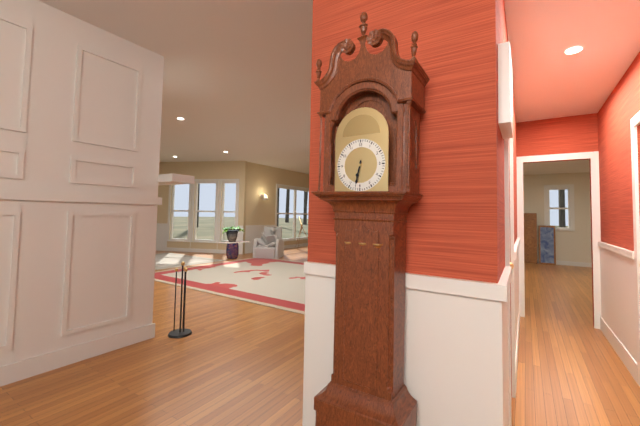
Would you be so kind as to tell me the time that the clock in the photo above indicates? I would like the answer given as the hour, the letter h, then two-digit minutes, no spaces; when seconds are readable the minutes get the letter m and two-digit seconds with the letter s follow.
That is 6h32
